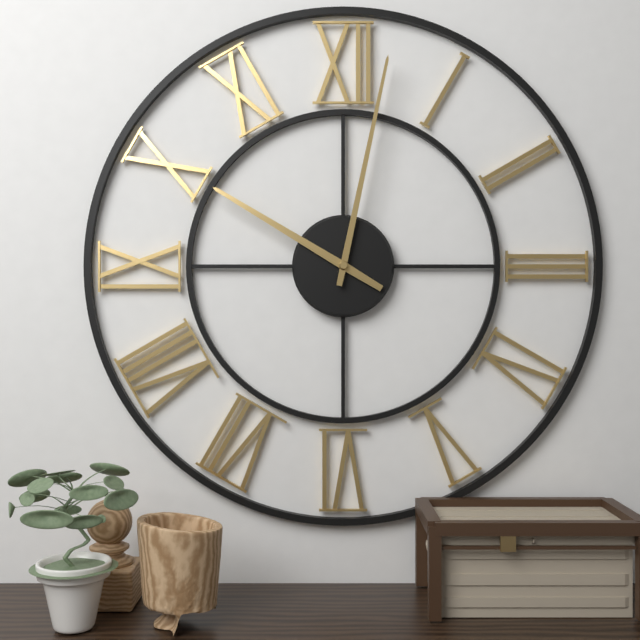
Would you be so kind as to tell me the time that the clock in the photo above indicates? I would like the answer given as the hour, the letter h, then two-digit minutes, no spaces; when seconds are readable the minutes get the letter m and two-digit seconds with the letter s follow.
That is 10h02
